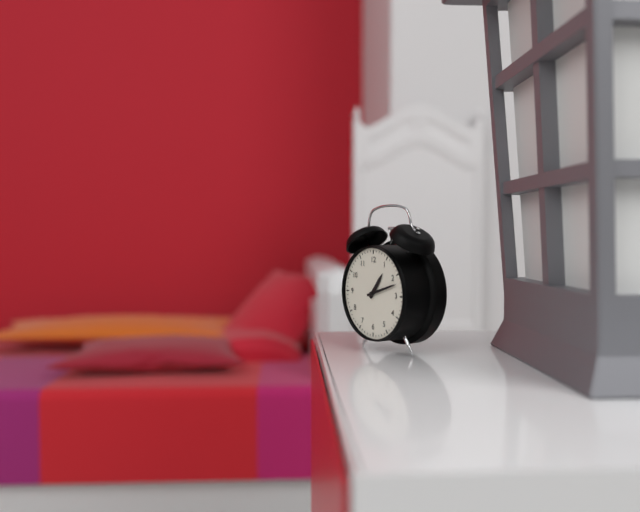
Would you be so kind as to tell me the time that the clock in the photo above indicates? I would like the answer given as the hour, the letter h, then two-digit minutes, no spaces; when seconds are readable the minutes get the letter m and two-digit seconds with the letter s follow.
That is 1h12
